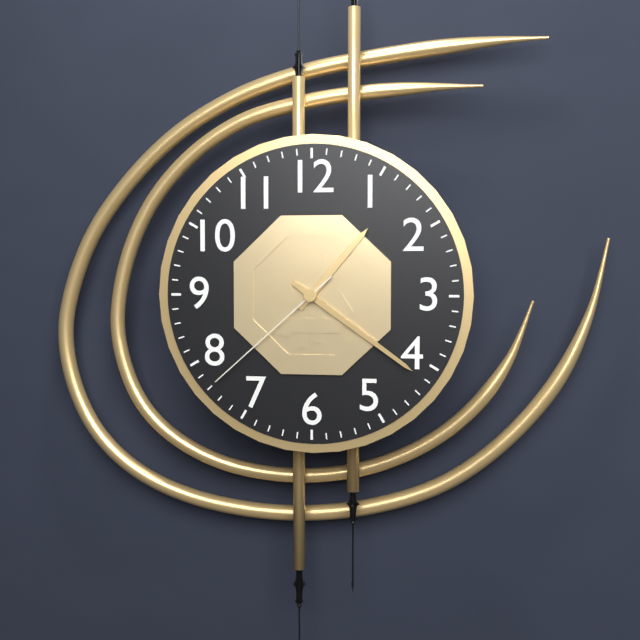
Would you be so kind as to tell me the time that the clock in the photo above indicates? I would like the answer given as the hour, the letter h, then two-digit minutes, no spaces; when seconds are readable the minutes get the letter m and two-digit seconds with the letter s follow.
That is 1h21m38s
